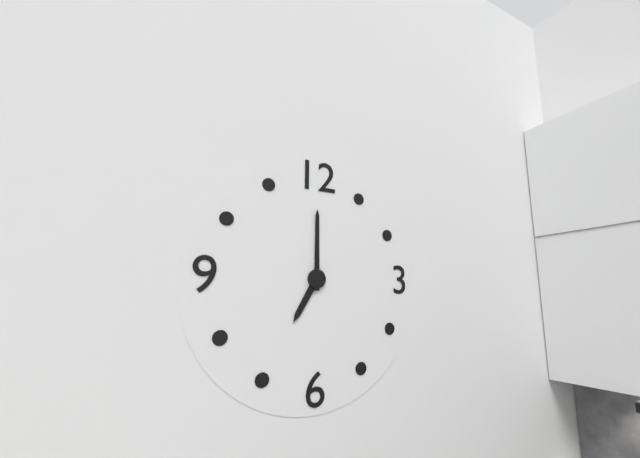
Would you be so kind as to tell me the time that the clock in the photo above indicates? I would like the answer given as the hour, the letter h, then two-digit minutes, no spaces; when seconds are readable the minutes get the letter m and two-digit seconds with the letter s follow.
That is 7h00
